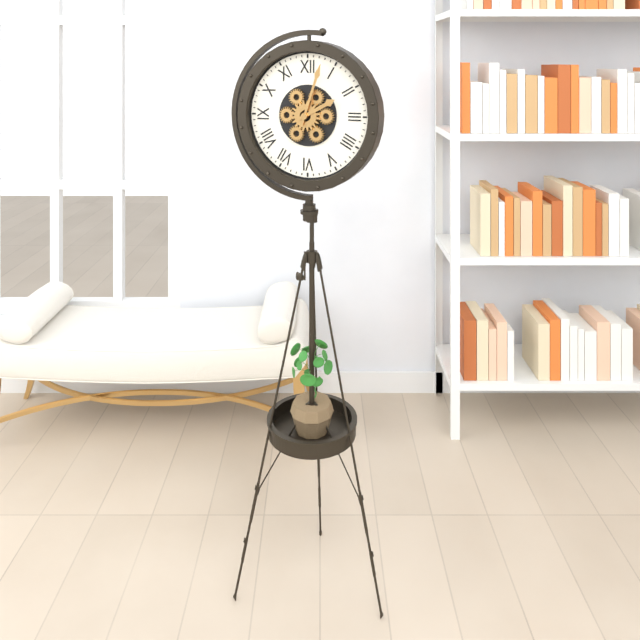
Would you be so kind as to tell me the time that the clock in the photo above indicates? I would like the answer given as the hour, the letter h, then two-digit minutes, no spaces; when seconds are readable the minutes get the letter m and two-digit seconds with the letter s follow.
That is 2h03
